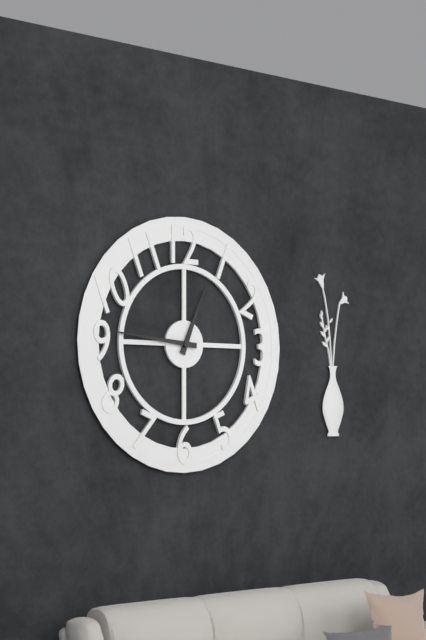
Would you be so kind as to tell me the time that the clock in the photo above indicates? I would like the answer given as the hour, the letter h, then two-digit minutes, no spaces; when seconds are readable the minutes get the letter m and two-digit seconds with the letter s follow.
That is 12h46
